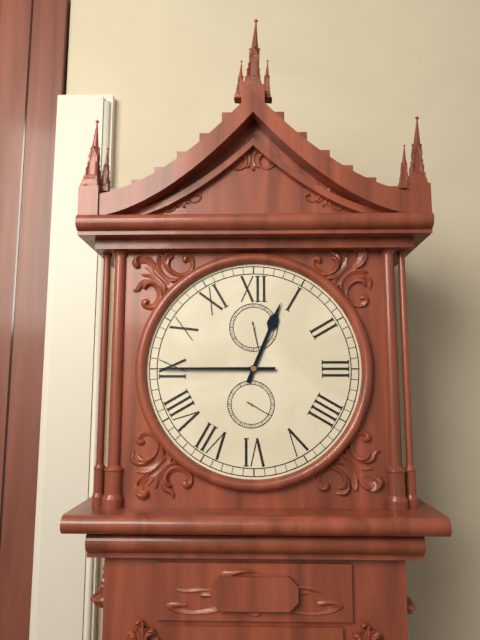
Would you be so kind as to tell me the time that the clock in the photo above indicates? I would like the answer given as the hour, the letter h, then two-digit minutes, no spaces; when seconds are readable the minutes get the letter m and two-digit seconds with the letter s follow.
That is 12h45
